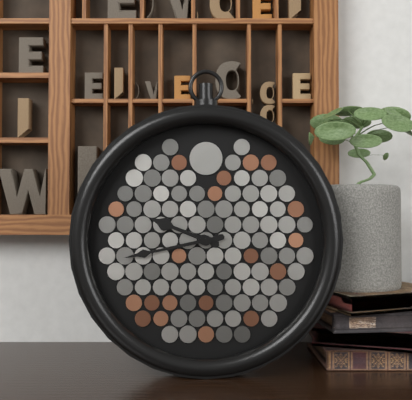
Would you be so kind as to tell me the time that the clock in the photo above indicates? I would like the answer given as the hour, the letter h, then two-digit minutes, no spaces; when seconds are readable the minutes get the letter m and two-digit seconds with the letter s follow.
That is 9h43
